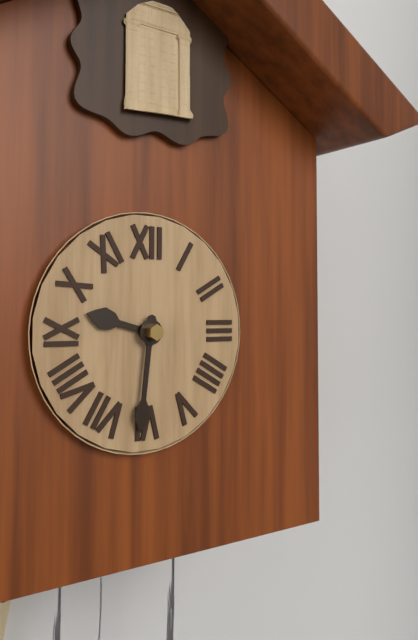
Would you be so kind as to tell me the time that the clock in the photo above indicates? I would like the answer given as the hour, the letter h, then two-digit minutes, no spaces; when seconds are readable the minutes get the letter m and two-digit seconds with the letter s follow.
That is 9h31
